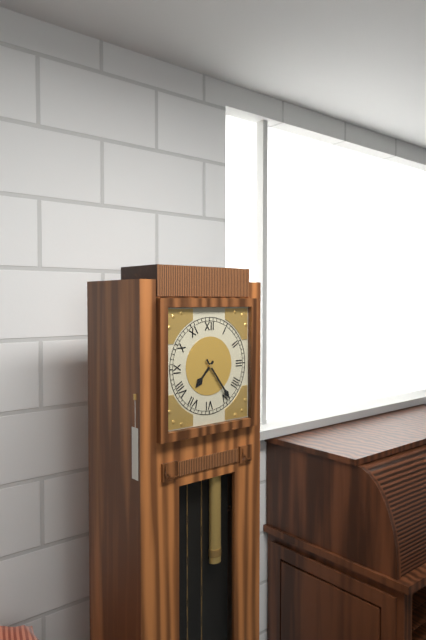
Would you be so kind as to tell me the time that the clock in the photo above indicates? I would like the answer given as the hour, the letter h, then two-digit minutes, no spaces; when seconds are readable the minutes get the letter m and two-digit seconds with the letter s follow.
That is 7h24
